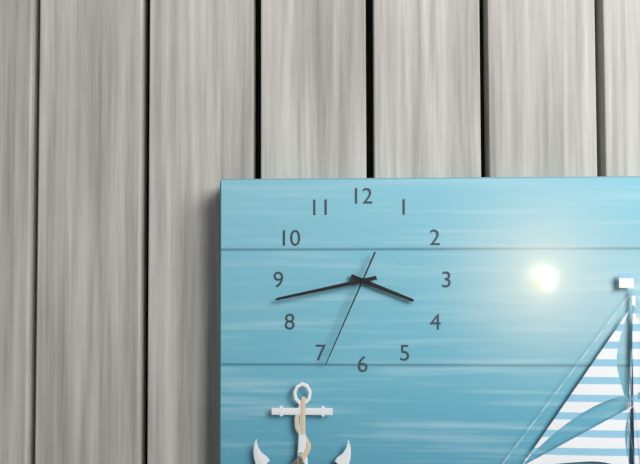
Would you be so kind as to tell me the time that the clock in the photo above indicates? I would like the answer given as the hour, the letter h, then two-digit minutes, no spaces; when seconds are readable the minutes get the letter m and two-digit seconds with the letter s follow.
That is 3h43m34s
